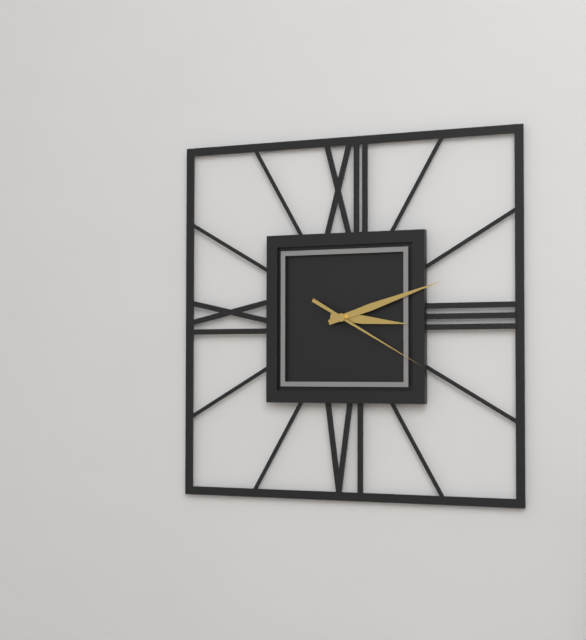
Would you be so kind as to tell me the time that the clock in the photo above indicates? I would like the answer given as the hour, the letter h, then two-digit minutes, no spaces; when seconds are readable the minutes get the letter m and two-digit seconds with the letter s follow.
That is 3h12m20s
